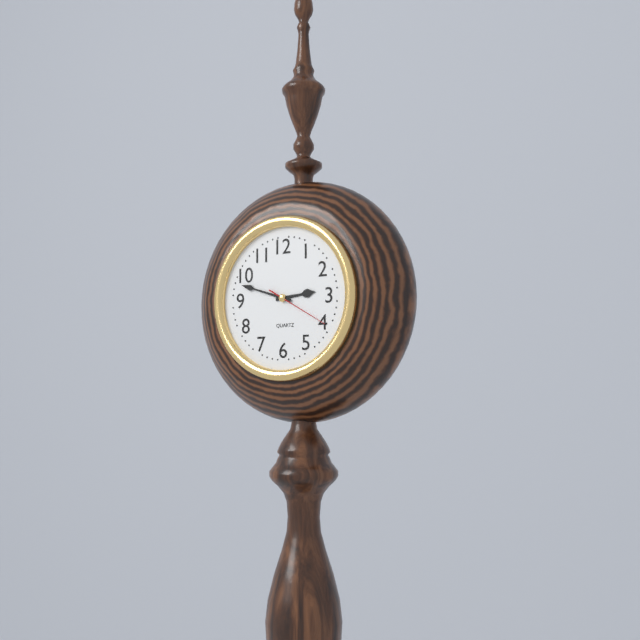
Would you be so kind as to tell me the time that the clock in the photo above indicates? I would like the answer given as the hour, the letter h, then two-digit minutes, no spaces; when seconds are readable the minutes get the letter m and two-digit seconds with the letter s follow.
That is 2h48
